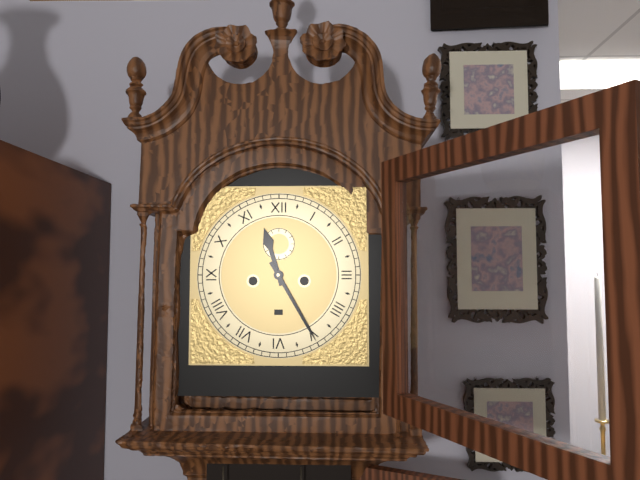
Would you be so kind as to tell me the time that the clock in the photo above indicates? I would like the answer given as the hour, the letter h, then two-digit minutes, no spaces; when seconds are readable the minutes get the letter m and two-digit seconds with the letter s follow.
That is 11h25
